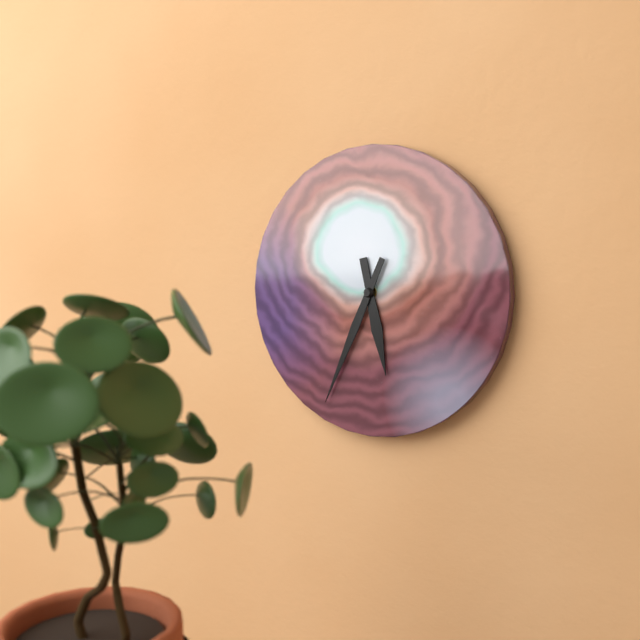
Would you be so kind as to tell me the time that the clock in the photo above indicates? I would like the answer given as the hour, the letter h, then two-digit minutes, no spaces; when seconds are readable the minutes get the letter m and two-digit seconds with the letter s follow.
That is 5h34
